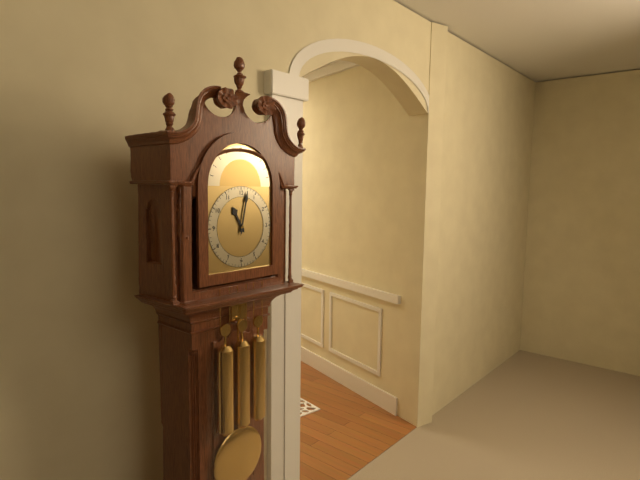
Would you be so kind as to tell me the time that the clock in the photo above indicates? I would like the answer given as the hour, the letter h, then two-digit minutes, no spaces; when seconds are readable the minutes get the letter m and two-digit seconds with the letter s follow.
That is 11h02
